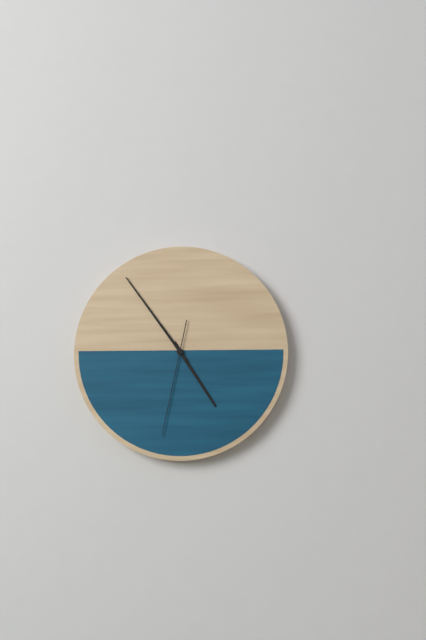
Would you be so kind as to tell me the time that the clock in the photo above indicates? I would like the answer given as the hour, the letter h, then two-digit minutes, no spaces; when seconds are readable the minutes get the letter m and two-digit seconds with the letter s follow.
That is 4h54m32s
